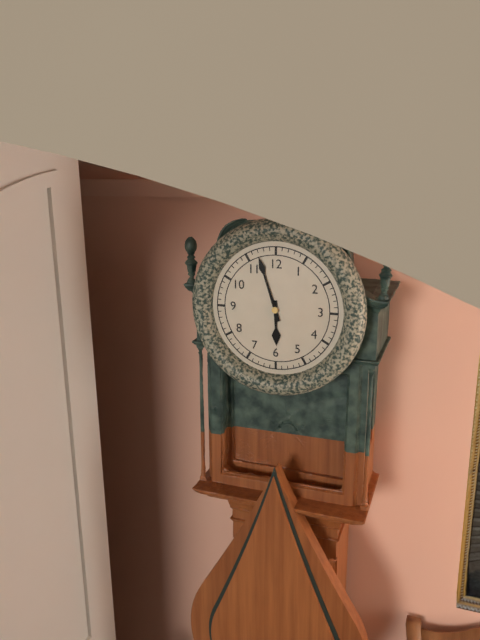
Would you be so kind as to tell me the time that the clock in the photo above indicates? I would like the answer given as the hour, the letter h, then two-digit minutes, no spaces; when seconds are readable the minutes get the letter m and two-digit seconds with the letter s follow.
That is 5h57
